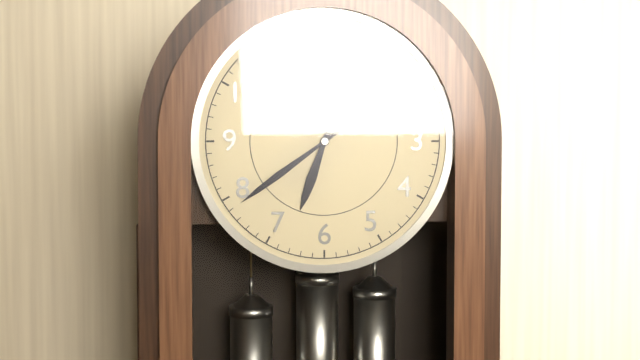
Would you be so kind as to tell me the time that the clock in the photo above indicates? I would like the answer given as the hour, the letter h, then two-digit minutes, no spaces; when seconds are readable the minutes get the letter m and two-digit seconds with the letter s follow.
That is 6h39
